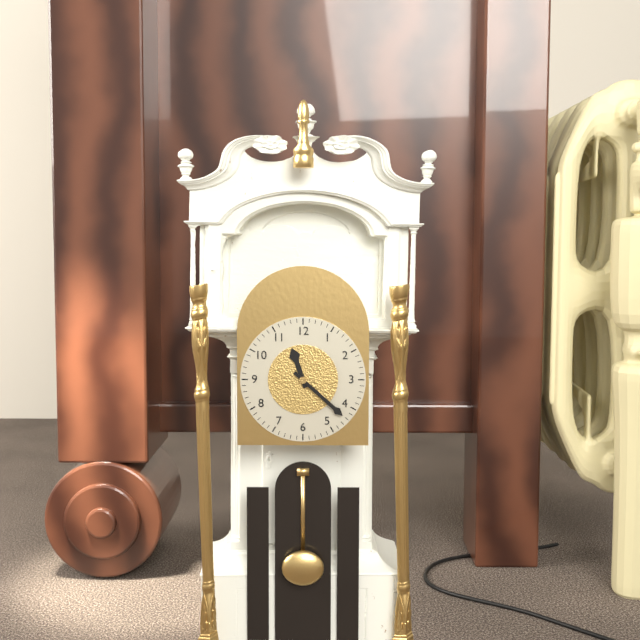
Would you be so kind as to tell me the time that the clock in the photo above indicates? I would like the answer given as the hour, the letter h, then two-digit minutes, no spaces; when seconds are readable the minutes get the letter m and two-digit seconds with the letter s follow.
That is 11h22
